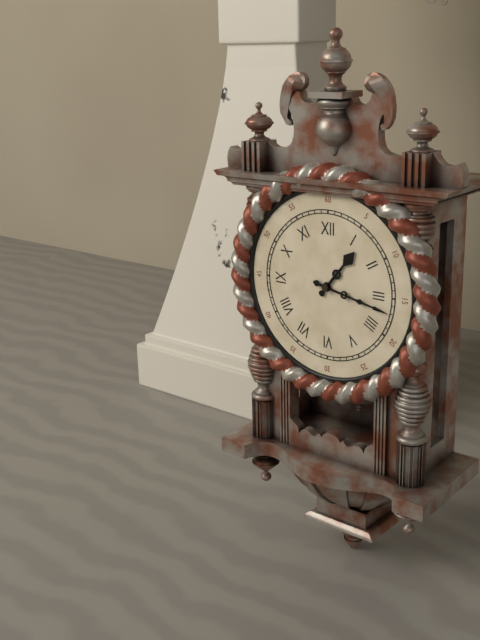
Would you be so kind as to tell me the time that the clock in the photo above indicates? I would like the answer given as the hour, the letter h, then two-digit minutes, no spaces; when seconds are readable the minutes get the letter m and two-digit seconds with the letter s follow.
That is 1h17
